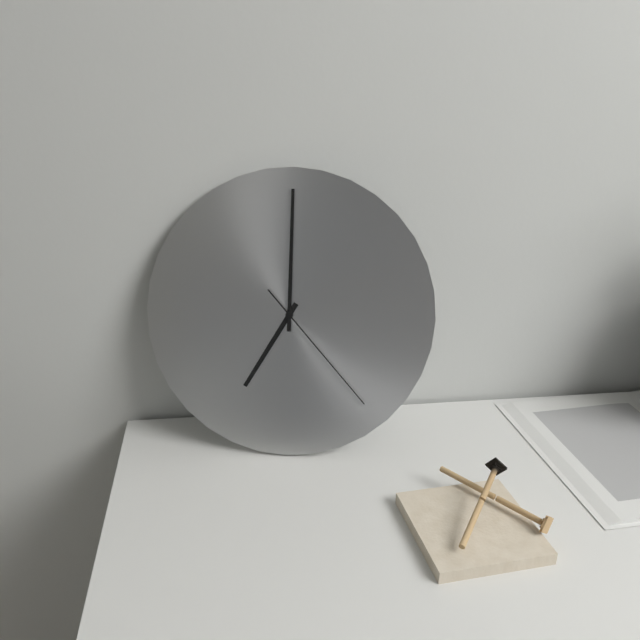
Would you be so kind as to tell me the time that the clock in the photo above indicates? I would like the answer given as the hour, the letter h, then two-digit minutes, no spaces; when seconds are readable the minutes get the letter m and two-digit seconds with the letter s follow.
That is 7h00m23s
